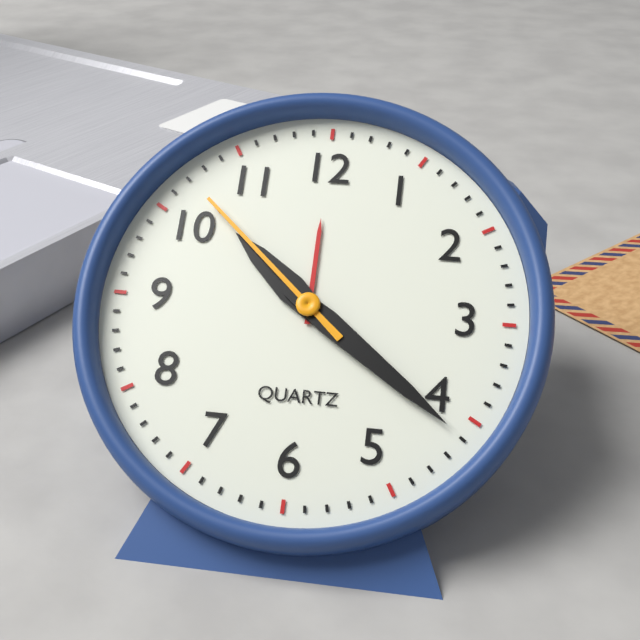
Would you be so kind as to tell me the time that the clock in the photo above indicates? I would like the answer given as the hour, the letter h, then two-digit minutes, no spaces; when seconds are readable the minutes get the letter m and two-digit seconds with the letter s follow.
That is 10h21m52s
